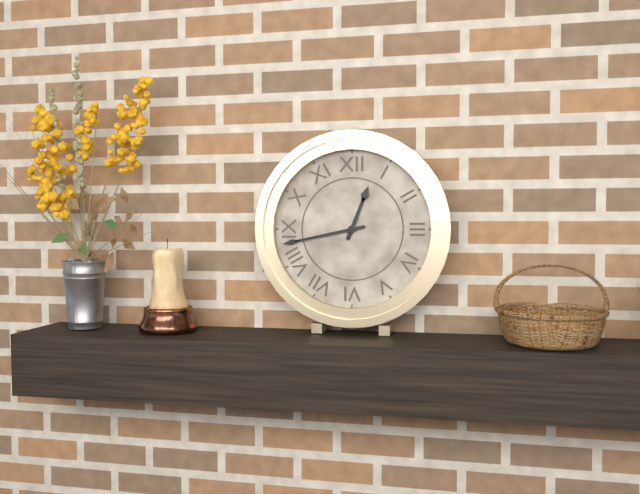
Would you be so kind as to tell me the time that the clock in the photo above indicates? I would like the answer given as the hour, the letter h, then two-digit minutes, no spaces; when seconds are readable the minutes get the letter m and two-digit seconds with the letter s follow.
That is 12h43
